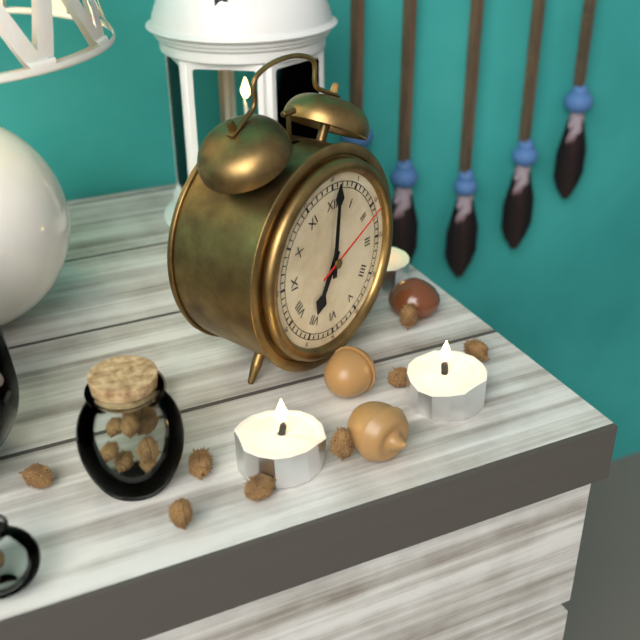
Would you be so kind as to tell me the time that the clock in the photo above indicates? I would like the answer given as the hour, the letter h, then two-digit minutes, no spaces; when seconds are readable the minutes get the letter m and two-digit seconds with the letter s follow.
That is 7h01m11s
